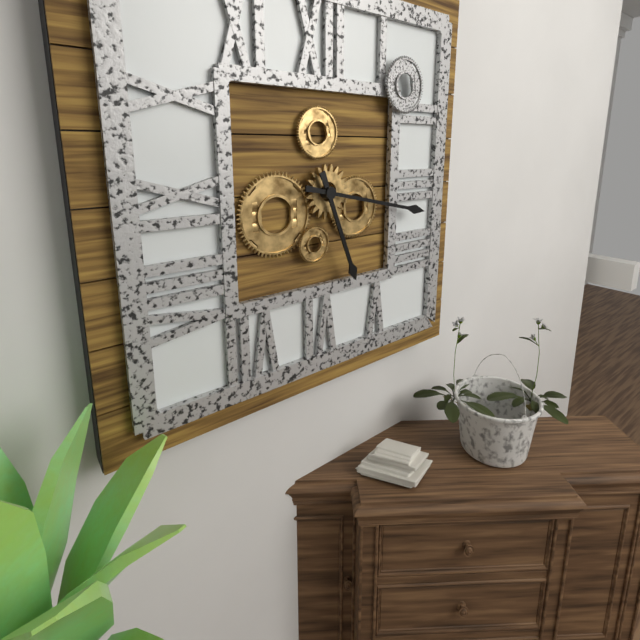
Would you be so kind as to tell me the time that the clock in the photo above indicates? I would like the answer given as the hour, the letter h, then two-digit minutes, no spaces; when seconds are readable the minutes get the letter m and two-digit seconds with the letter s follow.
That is 5h17
